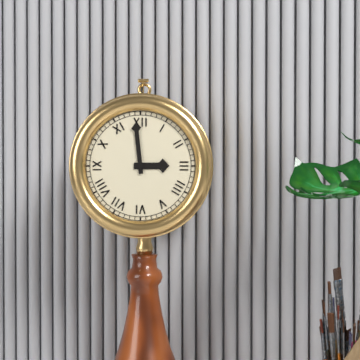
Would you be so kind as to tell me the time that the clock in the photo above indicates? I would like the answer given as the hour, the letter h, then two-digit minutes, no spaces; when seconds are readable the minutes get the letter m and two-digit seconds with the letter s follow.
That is 2h59
